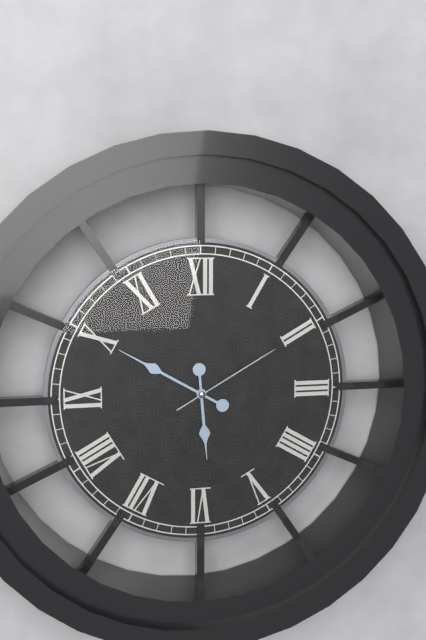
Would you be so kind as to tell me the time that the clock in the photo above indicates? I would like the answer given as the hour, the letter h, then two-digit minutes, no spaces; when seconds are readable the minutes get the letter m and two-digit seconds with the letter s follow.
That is 5h50m10s
